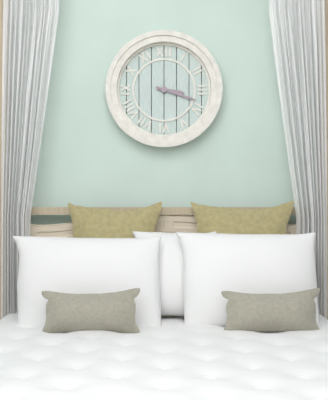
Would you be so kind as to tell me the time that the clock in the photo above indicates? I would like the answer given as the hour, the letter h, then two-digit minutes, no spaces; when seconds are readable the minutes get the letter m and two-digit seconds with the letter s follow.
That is 3h18
